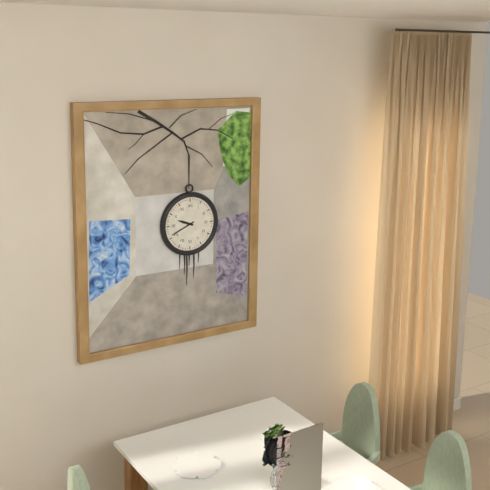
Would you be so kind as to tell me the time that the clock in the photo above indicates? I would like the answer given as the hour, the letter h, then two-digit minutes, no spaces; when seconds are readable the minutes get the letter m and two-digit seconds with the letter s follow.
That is 9h41
